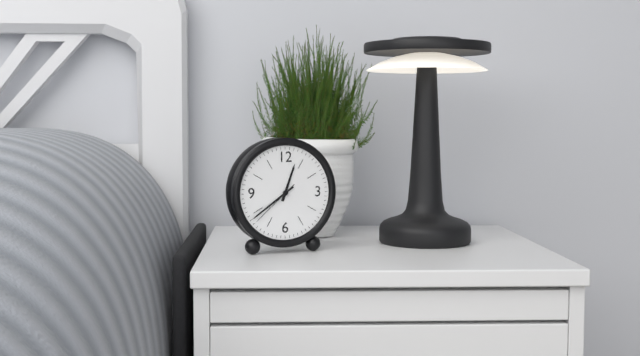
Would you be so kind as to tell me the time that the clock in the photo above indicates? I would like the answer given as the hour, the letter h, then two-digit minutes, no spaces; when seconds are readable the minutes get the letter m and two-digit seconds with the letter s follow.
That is 12h39m38s
